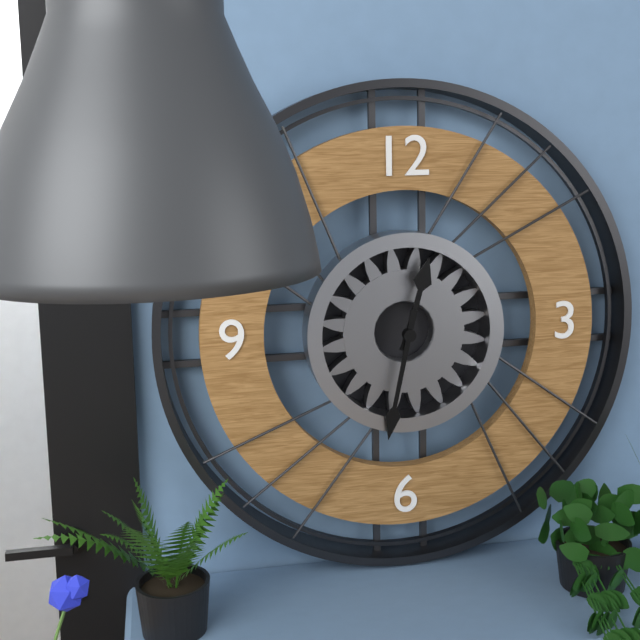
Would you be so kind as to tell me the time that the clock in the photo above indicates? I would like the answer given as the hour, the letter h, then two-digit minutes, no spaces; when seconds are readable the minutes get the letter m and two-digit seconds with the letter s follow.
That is 12h32
